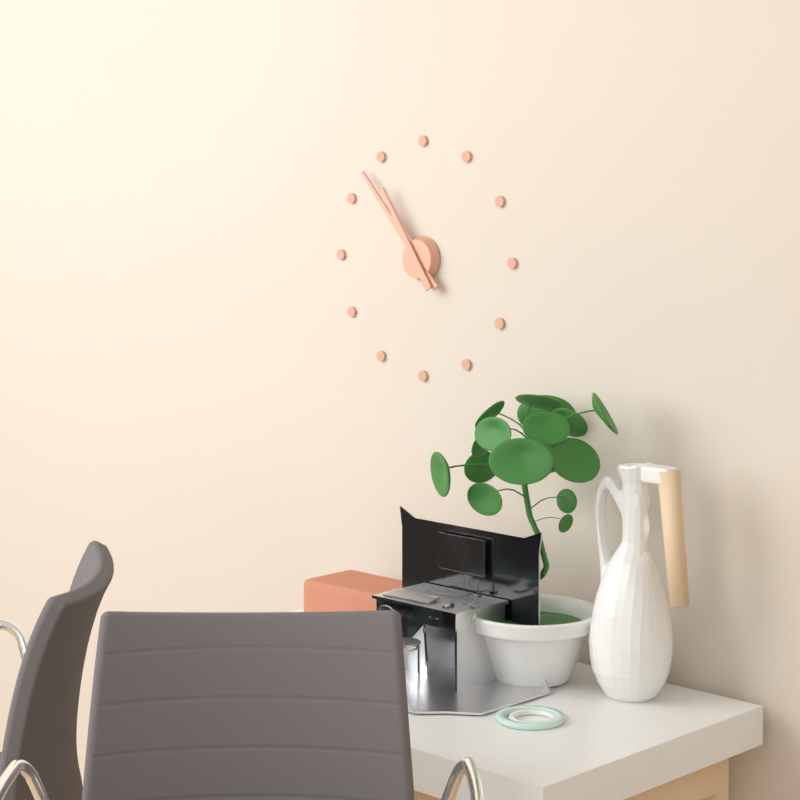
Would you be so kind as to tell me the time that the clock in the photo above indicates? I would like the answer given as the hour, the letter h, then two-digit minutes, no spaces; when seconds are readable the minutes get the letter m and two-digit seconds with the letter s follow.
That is 10h53
